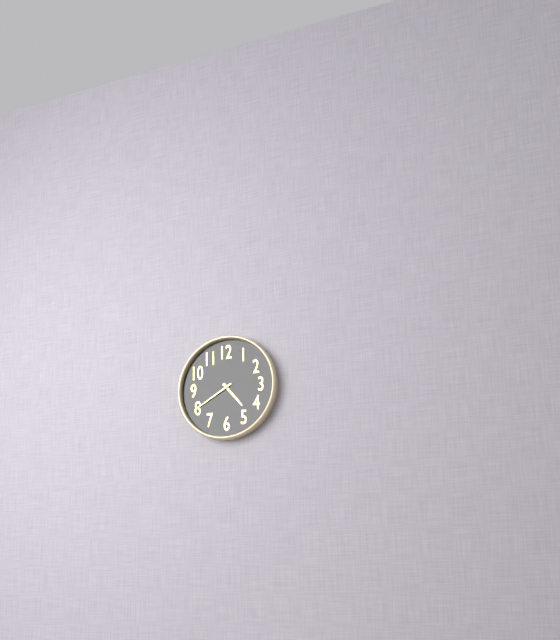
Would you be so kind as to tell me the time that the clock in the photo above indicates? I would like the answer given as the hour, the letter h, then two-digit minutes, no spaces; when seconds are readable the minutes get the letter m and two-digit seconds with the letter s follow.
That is 4h40
